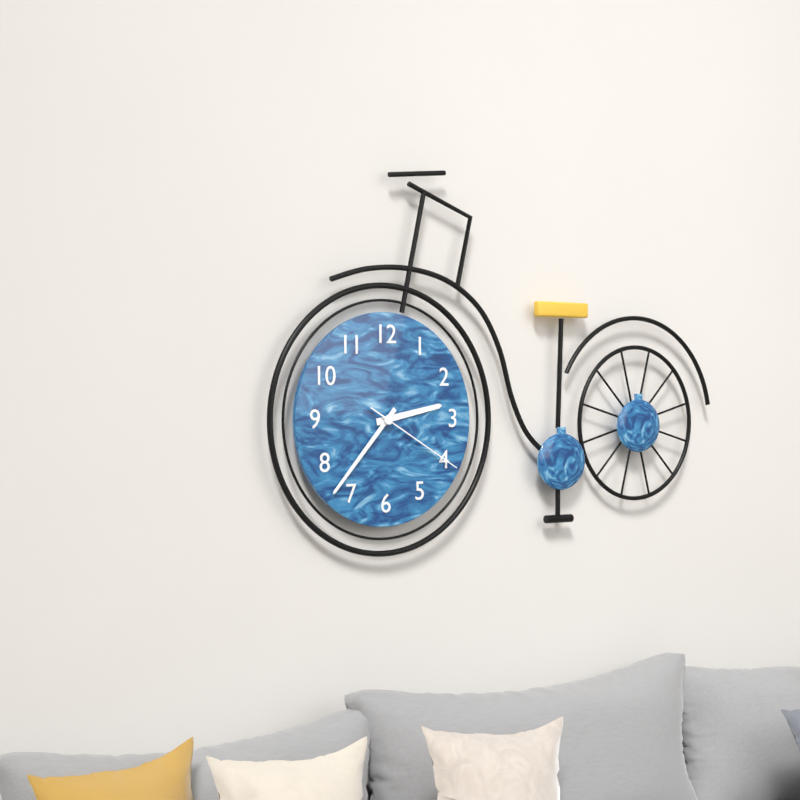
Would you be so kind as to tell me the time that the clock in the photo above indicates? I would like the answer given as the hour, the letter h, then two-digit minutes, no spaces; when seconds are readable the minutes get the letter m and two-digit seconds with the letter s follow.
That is 2h37m20s
